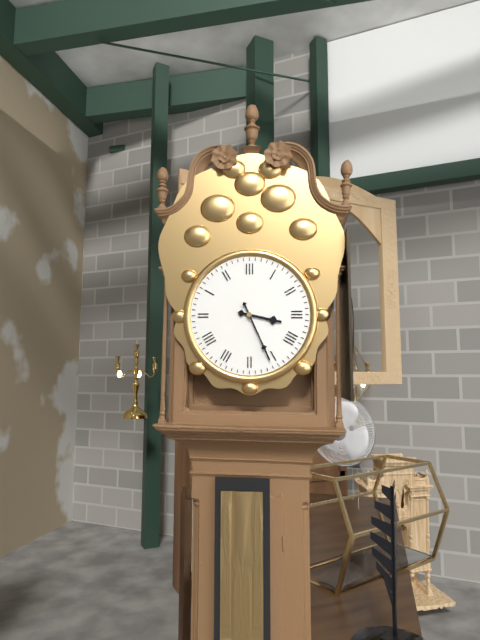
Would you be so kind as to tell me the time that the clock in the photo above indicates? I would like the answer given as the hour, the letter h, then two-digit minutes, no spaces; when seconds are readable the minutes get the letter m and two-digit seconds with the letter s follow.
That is 3h26
